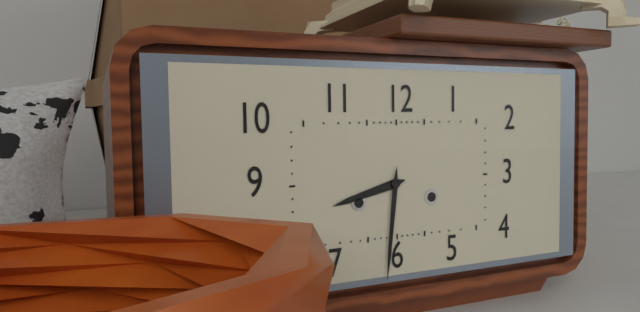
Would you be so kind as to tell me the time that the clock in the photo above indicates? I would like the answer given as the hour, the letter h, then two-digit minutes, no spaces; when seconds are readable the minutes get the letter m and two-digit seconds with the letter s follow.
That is 8h31
